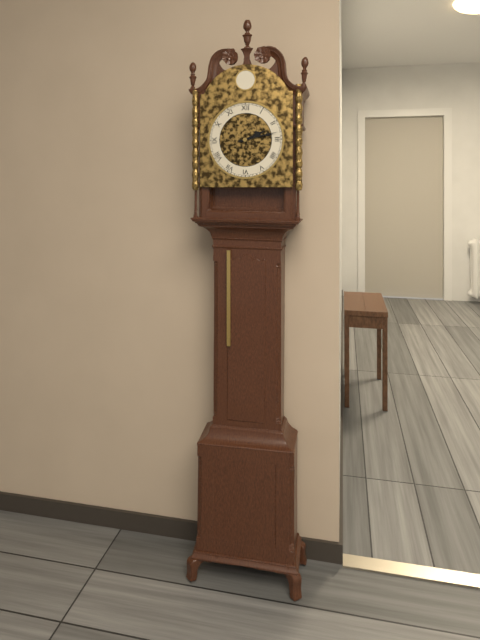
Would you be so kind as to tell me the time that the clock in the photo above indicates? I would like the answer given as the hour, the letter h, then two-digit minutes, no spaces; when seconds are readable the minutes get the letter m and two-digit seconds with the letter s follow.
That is 2h13
